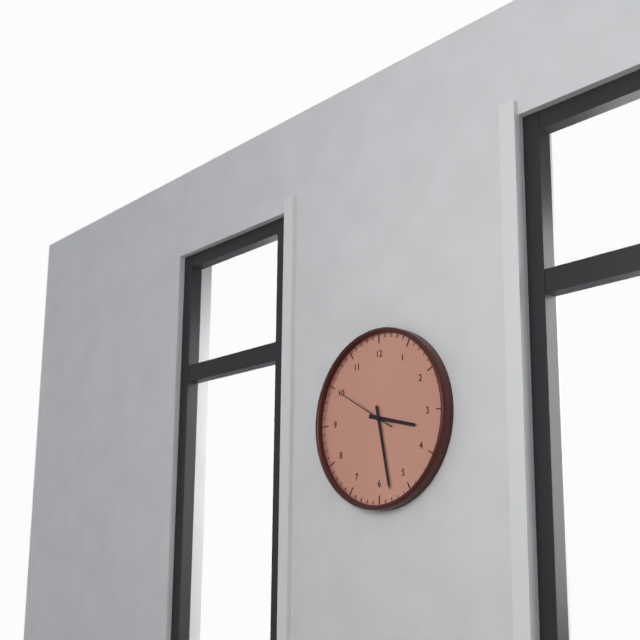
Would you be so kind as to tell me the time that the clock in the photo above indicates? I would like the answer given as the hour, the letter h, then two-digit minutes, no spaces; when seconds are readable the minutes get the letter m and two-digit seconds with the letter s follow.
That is 3h28m50s
